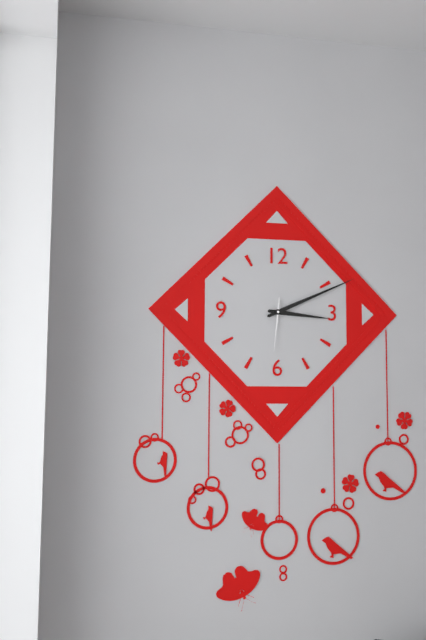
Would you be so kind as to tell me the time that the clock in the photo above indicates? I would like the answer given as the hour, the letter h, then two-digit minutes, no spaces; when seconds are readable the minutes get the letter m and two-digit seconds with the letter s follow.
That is 3h11m31s
